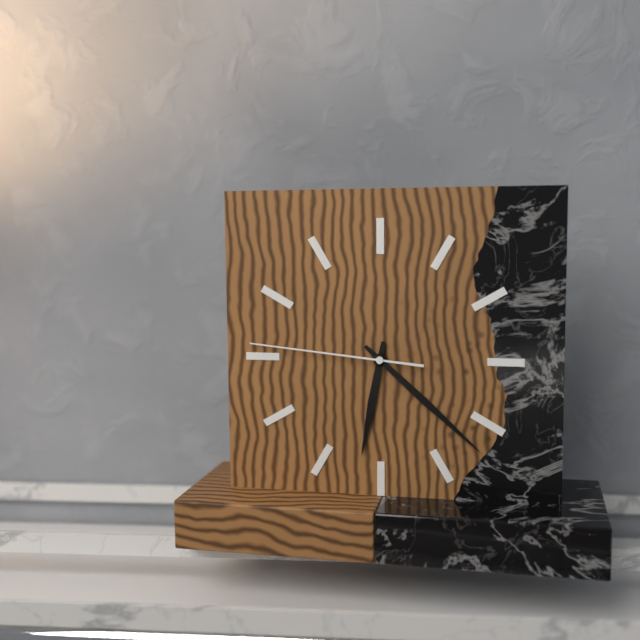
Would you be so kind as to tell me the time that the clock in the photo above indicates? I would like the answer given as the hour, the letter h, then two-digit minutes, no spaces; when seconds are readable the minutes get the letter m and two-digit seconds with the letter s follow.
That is 6h22m46s
